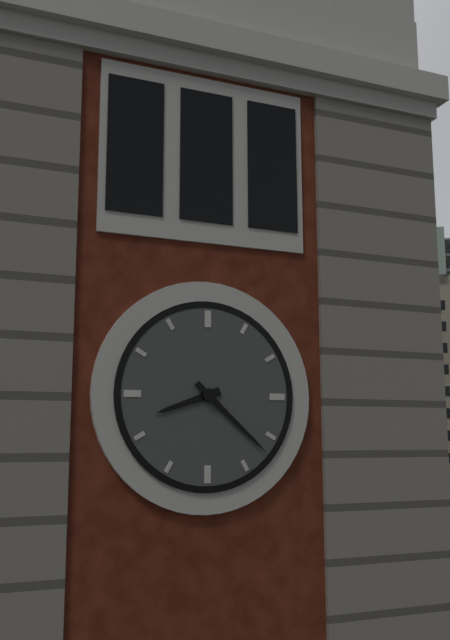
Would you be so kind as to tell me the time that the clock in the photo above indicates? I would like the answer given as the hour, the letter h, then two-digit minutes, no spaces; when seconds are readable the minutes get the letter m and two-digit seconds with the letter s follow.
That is 8h22
